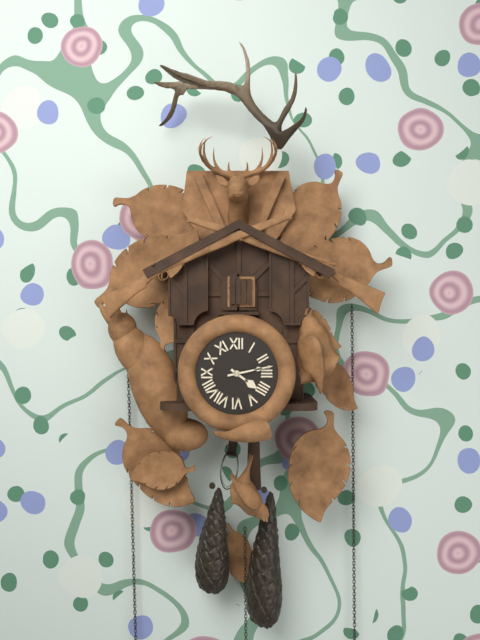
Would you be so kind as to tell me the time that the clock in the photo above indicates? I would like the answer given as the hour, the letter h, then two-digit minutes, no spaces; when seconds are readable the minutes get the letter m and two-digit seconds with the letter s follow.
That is 4h13
